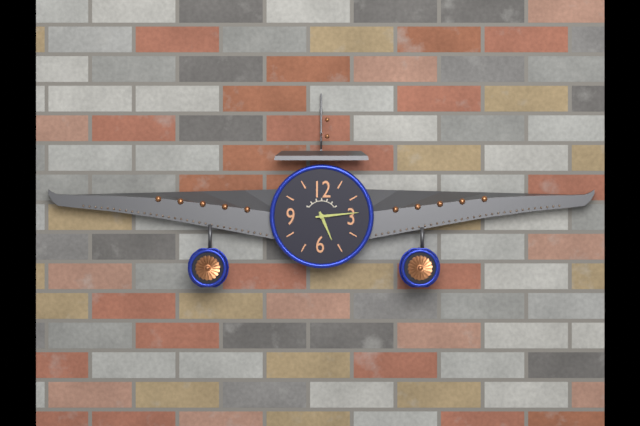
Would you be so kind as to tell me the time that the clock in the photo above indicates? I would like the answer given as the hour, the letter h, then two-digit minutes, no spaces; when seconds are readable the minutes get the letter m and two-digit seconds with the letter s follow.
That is 5h14
